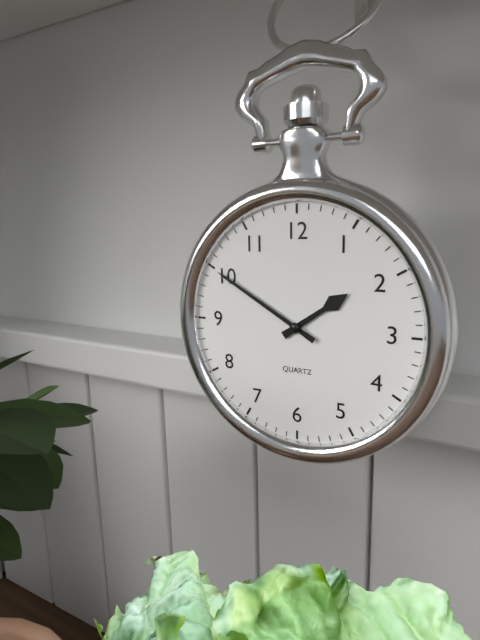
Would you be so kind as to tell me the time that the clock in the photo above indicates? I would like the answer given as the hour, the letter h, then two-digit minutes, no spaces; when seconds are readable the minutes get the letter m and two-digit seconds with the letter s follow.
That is 1h50
